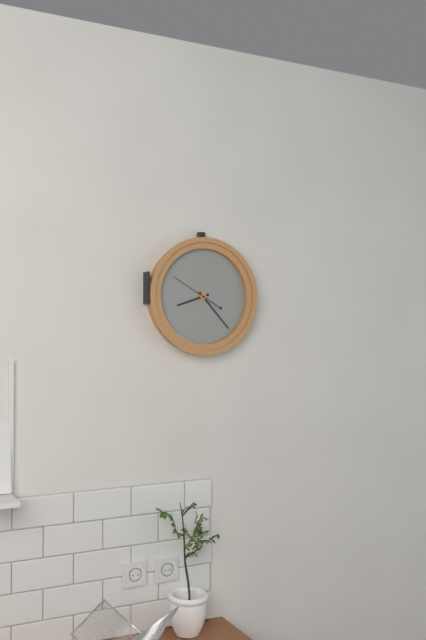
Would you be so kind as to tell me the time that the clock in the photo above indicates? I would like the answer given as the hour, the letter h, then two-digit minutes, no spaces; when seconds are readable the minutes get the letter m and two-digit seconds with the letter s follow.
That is 8h23
